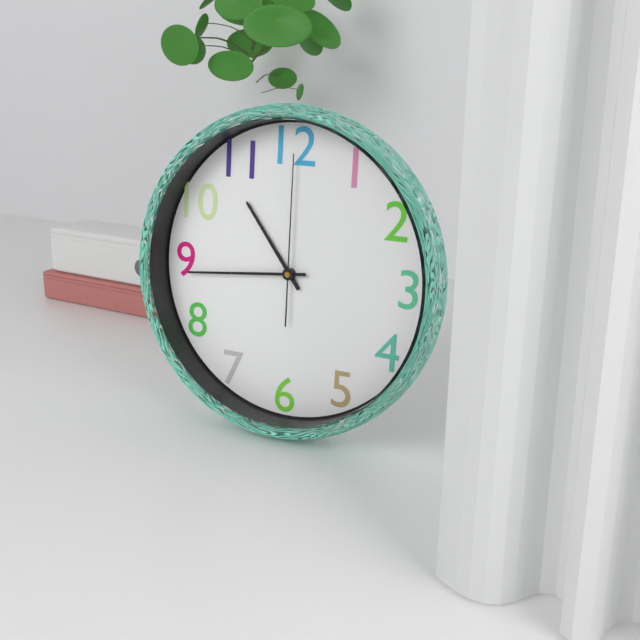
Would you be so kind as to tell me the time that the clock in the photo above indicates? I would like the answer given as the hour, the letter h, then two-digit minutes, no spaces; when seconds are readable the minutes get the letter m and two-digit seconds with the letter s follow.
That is 10h44m00s
